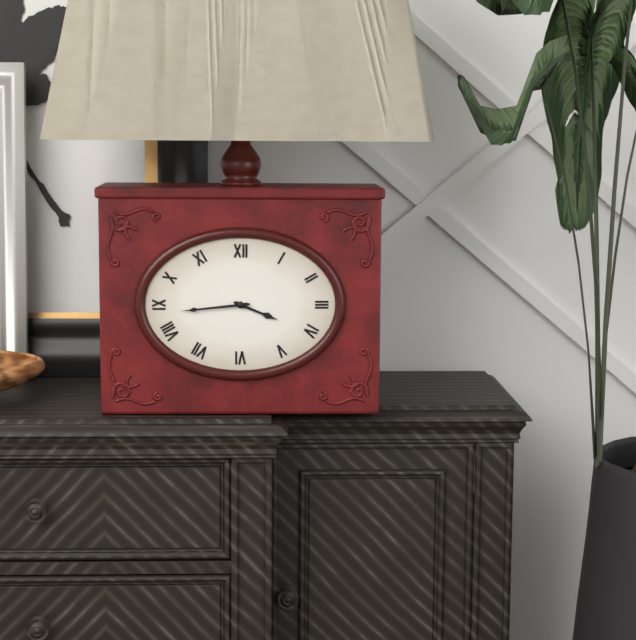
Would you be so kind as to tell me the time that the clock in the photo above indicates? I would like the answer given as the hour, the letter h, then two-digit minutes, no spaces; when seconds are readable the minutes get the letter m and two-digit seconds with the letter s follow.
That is 3h44
